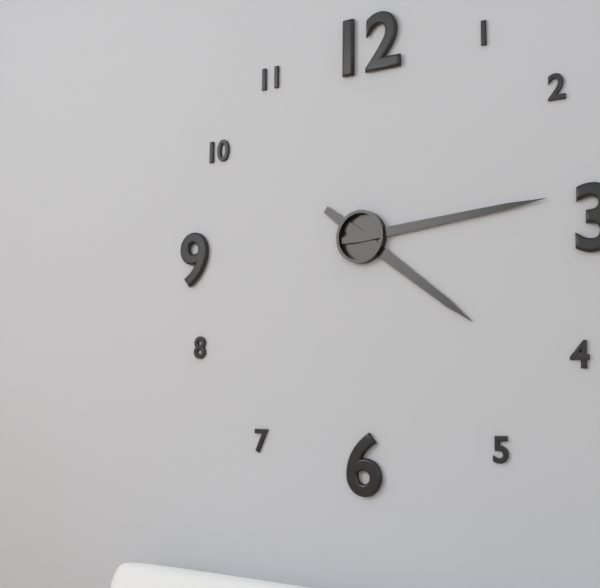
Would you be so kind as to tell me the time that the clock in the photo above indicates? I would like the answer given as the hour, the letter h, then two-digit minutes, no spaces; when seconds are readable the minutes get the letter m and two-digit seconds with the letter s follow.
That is 4h14
